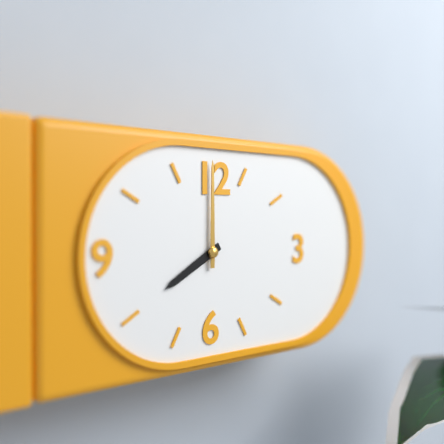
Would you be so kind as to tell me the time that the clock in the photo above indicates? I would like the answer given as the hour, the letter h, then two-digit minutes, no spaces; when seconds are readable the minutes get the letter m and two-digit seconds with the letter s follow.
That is 8h00
